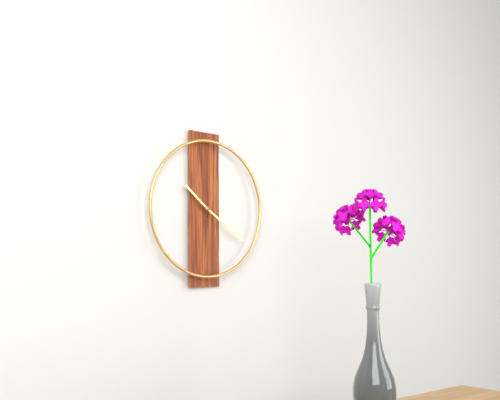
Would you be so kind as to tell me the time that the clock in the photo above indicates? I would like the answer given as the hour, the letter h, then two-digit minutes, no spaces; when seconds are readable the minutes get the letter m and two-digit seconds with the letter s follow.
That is 10h21
